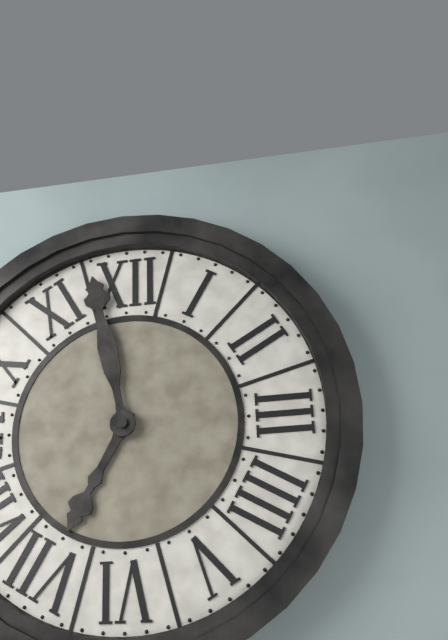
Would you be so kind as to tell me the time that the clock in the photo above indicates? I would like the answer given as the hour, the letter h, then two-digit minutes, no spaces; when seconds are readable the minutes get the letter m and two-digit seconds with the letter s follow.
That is 6h58
